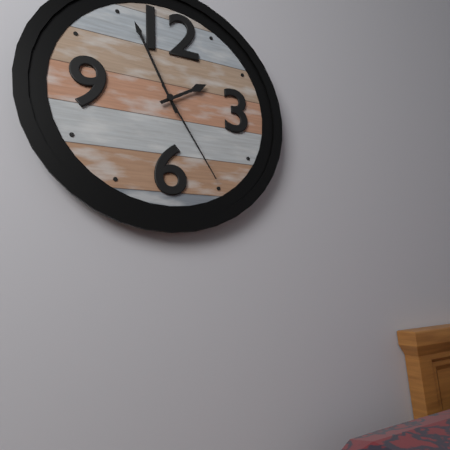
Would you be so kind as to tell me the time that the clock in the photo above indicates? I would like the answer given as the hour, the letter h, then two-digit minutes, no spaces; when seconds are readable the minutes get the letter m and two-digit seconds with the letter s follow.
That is 1h56m25s
